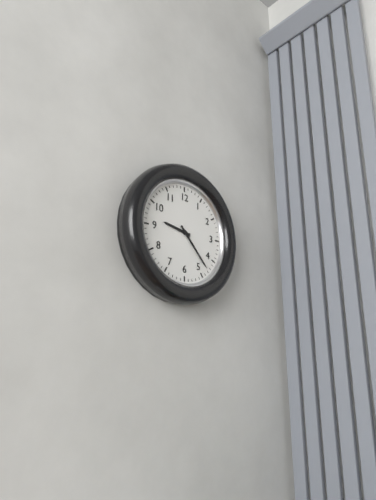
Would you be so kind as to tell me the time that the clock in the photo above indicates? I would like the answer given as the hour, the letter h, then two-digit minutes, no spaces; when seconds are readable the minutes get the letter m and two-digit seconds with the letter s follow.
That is 9h23
